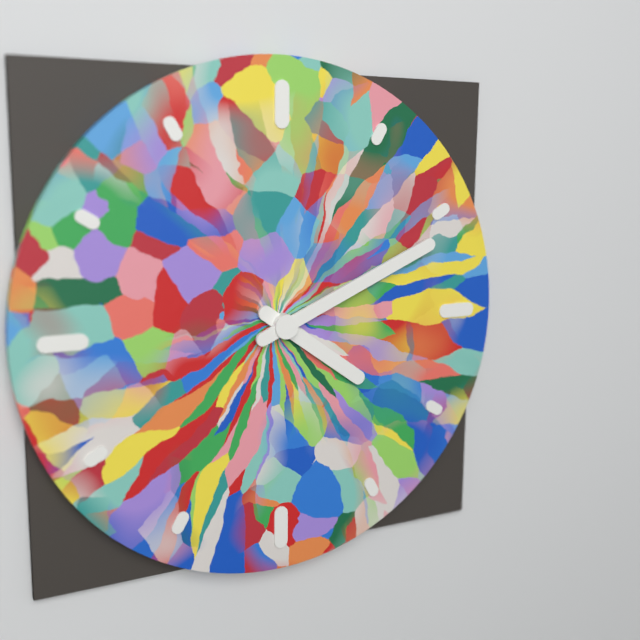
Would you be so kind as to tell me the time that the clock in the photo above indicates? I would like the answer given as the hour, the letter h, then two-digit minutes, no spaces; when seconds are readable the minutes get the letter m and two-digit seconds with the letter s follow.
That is 4h11
